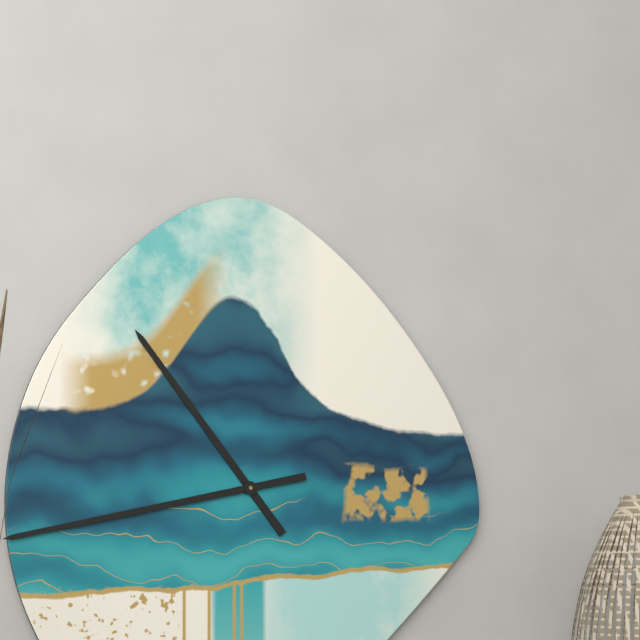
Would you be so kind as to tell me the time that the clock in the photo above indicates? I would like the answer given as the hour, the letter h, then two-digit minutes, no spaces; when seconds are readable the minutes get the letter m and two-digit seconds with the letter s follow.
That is 10h43
